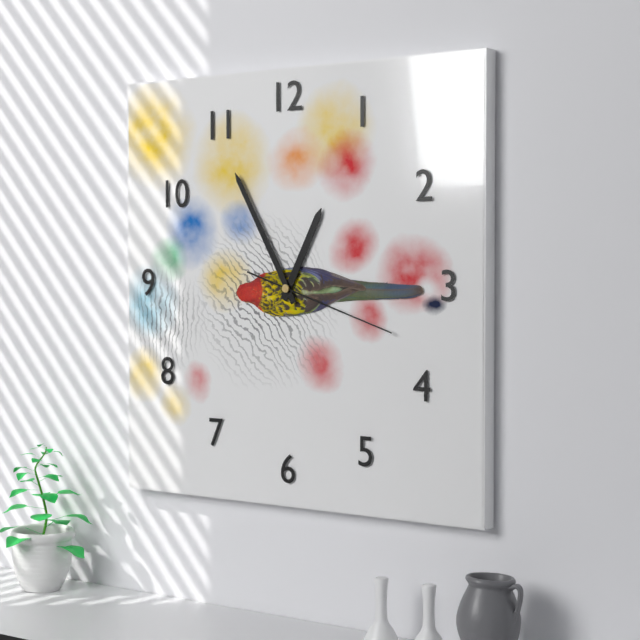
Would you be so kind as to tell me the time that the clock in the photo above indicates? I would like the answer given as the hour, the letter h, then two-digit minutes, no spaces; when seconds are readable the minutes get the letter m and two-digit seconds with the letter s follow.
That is 12h55m18s
